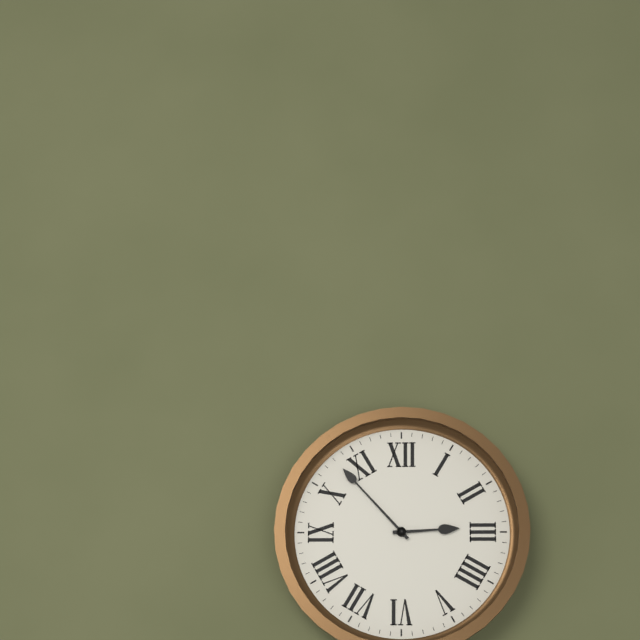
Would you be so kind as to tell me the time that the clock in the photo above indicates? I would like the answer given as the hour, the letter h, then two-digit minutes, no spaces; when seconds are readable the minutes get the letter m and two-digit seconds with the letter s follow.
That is 2h53
